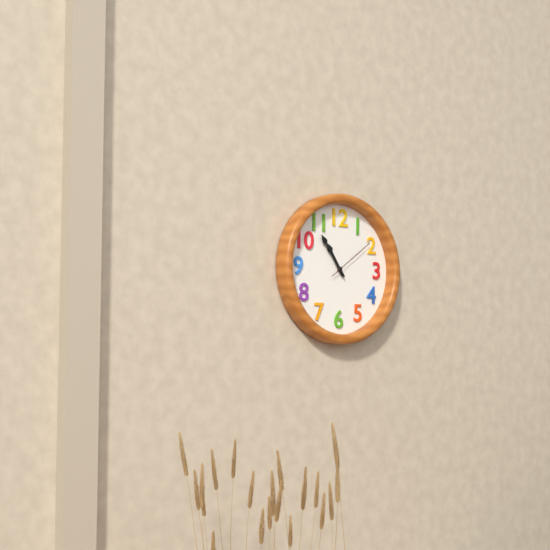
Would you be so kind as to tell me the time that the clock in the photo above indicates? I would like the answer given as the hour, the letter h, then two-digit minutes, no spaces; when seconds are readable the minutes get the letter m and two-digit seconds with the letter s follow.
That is 10h54m09s
